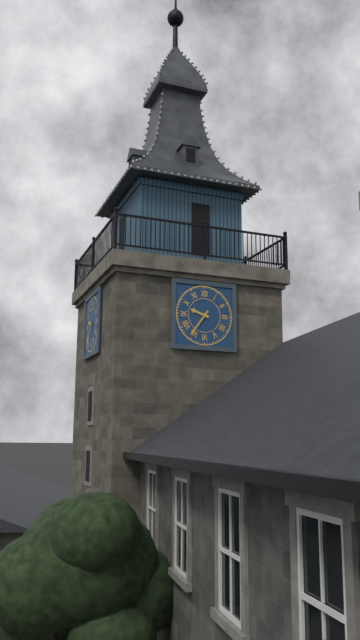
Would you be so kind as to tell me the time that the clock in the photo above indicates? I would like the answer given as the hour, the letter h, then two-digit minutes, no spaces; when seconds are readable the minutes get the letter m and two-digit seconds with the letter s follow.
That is 9h36
